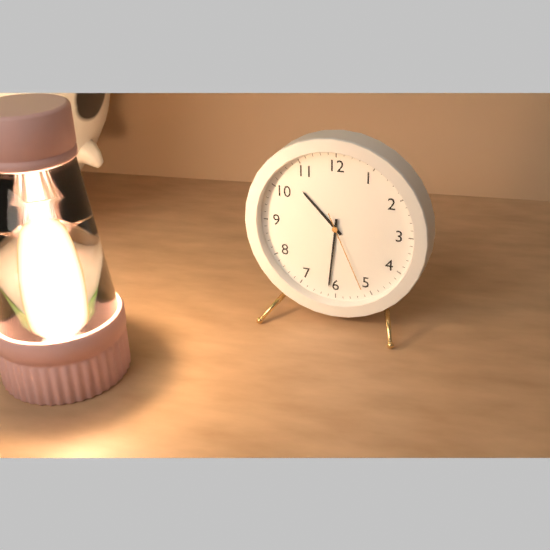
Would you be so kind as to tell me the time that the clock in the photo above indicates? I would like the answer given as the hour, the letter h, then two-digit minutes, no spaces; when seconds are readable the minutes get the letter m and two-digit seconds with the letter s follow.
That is 10h31m26s
